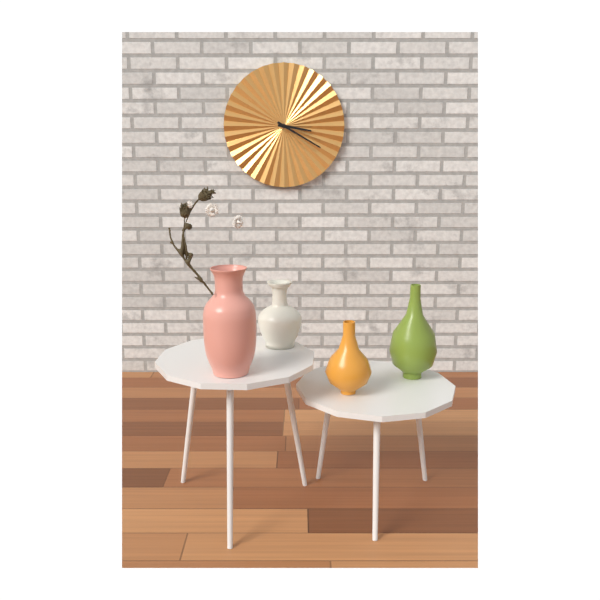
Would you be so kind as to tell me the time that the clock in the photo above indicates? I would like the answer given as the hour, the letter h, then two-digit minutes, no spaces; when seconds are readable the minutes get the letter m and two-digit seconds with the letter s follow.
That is 3h20
